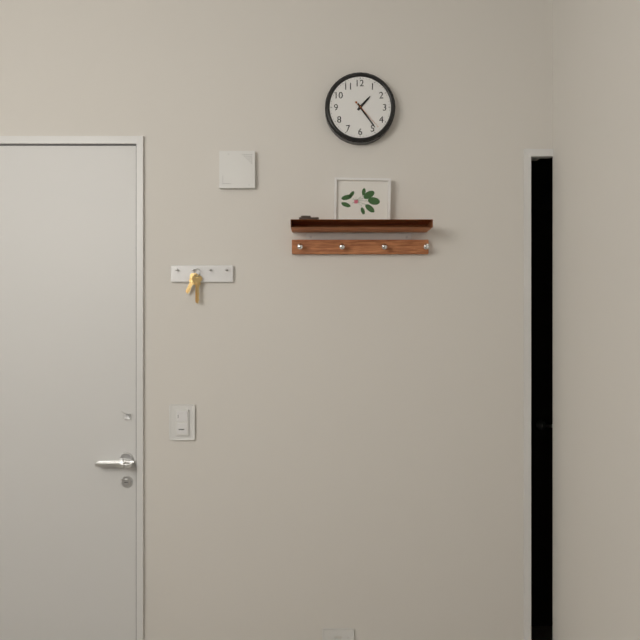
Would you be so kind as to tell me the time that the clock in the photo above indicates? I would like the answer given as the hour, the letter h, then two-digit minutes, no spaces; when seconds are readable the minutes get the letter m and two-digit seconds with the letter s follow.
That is 1h24
